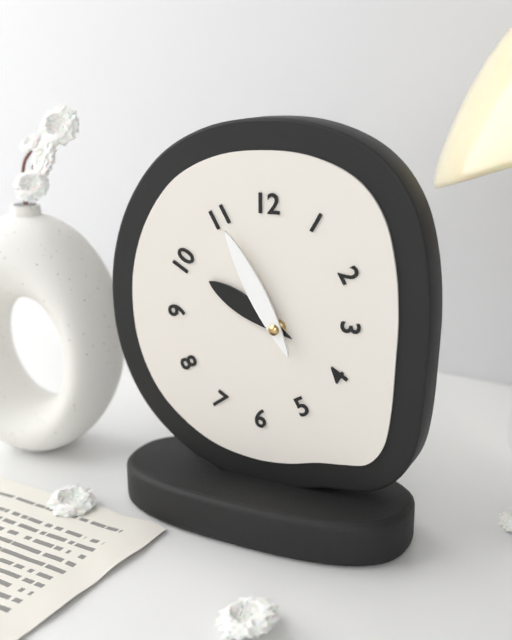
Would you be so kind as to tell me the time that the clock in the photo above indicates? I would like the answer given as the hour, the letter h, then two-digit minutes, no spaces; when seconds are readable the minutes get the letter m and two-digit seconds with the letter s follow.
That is 9h55
